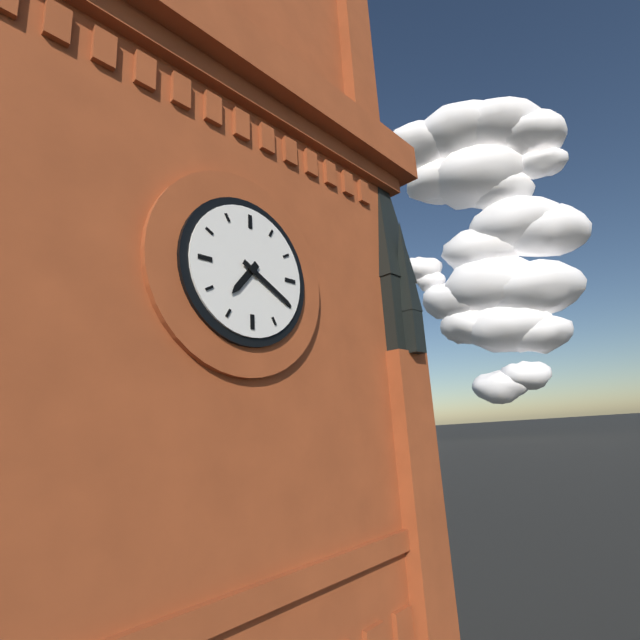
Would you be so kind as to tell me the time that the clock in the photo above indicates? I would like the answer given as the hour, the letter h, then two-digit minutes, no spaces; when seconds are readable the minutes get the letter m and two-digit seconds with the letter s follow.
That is 7h20
